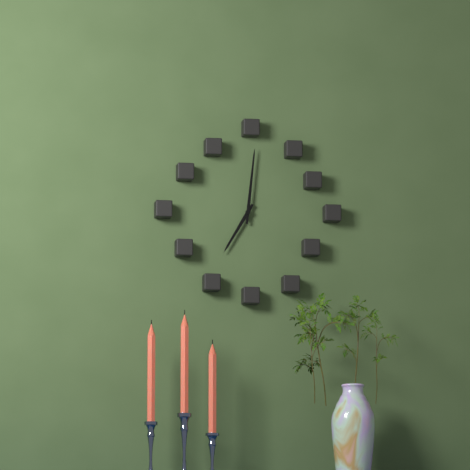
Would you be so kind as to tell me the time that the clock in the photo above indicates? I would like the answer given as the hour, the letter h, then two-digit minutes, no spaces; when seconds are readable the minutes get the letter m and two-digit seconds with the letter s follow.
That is 7h01
